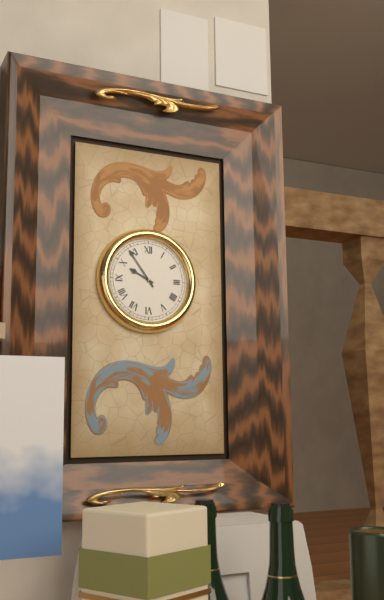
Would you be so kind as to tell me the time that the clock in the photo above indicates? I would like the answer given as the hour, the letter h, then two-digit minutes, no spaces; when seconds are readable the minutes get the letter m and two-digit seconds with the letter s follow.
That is 9h54
